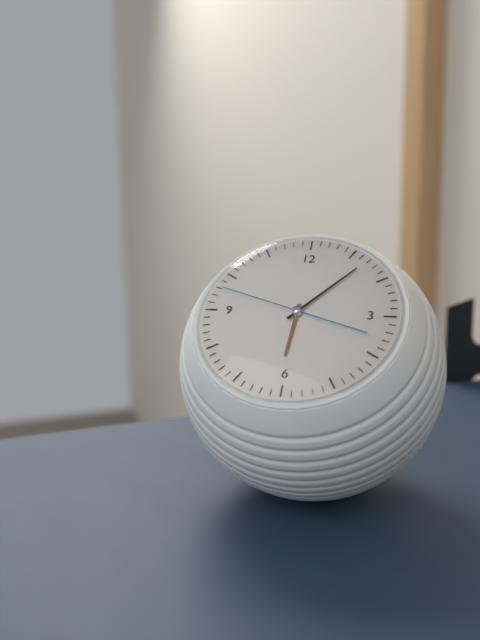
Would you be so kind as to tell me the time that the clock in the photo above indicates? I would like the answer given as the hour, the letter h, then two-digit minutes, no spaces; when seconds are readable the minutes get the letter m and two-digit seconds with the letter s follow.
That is 6h07m48s
